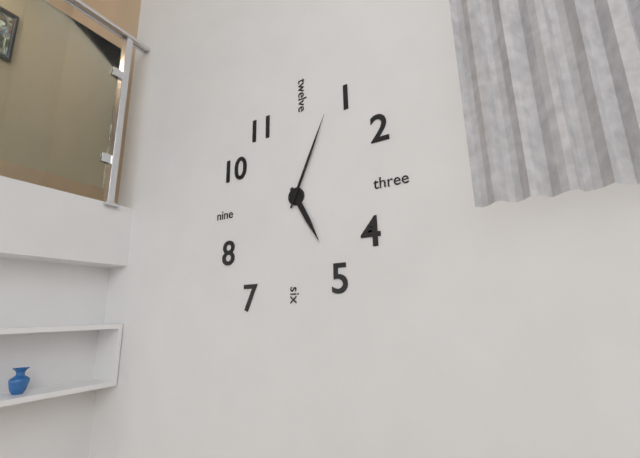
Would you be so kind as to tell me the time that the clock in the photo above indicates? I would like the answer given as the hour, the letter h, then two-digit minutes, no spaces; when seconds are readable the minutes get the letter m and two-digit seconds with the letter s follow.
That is 5h04
